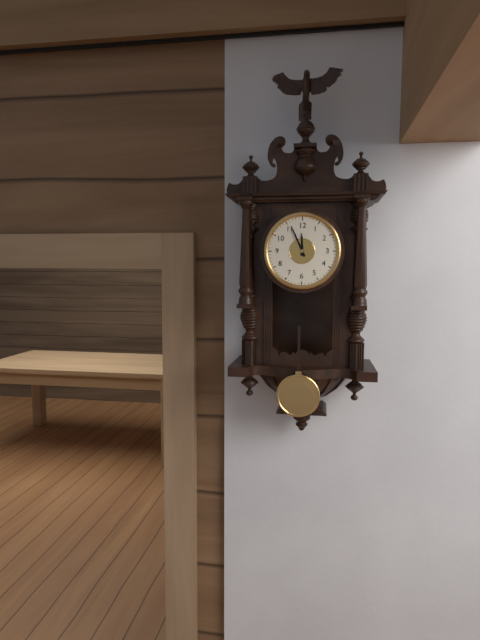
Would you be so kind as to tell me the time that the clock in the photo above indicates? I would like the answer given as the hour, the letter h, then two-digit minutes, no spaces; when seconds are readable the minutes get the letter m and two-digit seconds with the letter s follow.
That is 11h56
